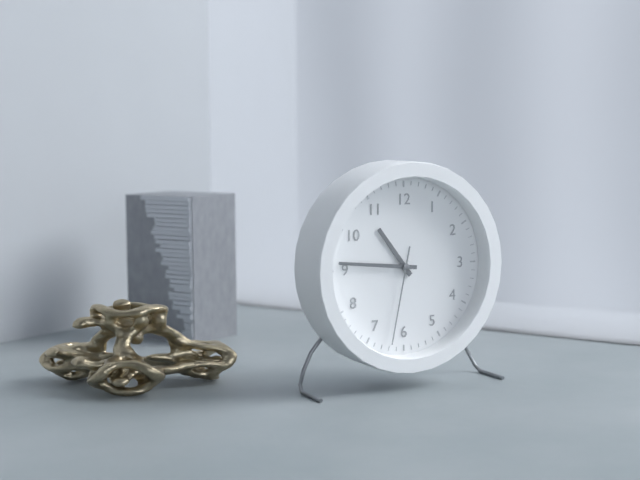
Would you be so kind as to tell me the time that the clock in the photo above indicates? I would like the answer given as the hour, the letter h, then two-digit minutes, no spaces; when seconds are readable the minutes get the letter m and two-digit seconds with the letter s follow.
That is 10h46m32s
